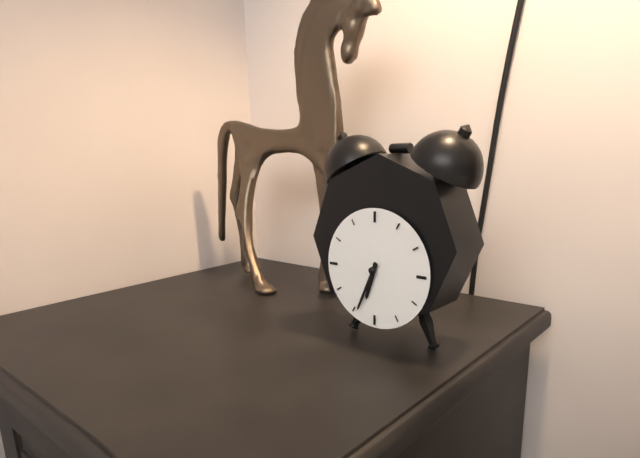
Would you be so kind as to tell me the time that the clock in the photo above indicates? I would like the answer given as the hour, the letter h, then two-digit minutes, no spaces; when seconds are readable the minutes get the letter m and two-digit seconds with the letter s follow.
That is 6h34
